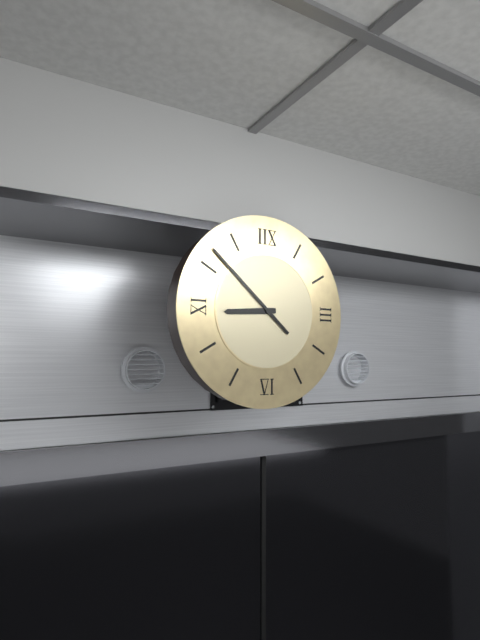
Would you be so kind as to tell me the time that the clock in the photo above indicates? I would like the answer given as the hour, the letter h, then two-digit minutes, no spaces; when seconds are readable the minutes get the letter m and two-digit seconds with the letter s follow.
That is 8h52
